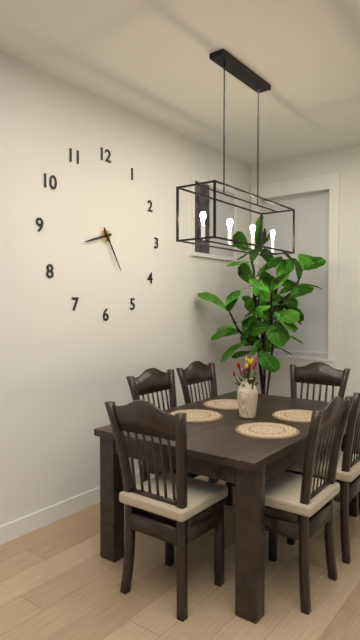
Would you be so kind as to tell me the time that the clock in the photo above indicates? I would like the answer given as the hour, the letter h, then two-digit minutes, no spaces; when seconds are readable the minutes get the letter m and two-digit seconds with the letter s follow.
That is 8h25
